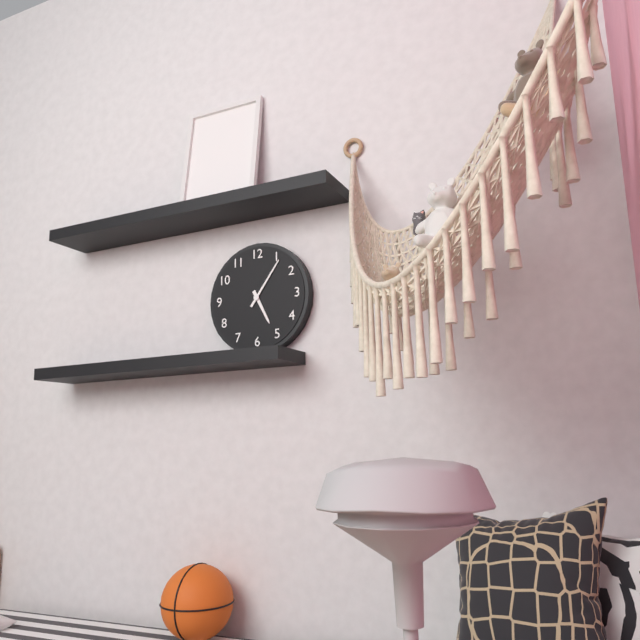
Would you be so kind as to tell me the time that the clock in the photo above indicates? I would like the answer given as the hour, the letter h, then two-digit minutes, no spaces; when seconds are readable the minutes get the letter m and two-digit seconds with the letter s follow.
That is 5h06
